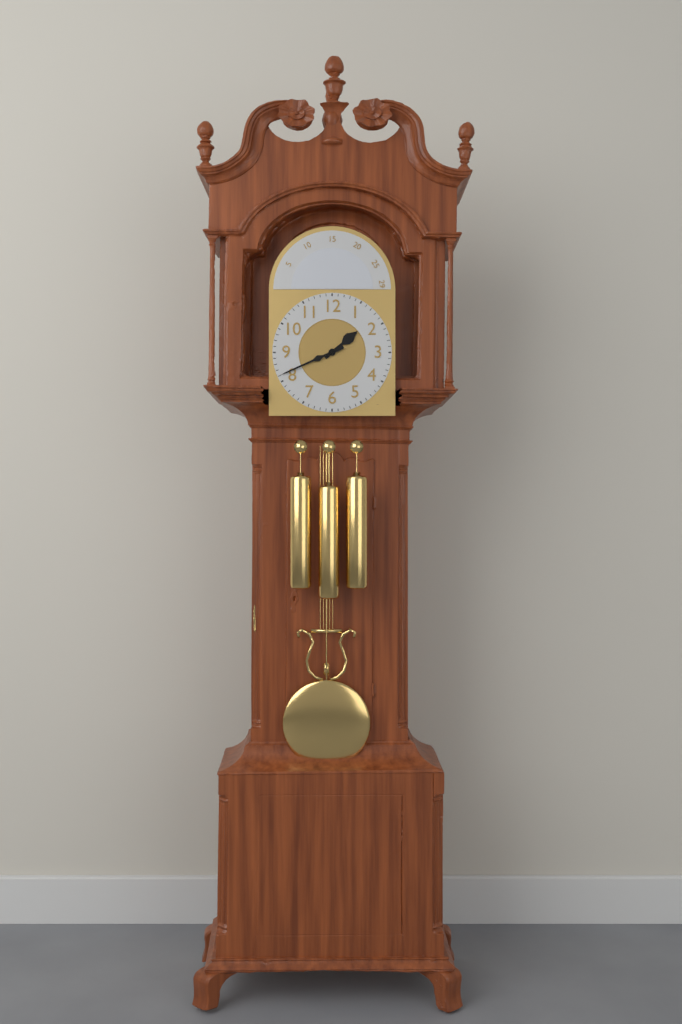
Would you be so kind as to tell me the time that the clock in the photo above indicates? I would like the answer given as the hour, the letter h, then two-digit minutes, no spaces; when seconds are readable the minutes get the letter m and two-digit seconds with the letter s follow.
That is 1h41
